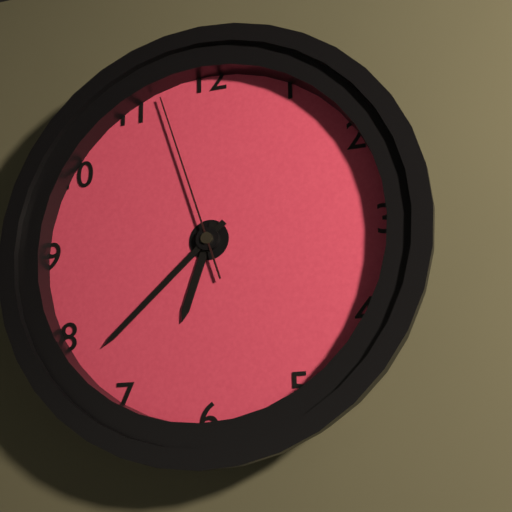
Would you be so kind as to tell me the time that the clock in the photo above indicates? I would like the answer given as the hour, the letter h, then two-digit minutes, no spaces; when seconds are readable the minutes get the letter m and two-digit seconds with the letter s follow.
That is 6h38m57s
